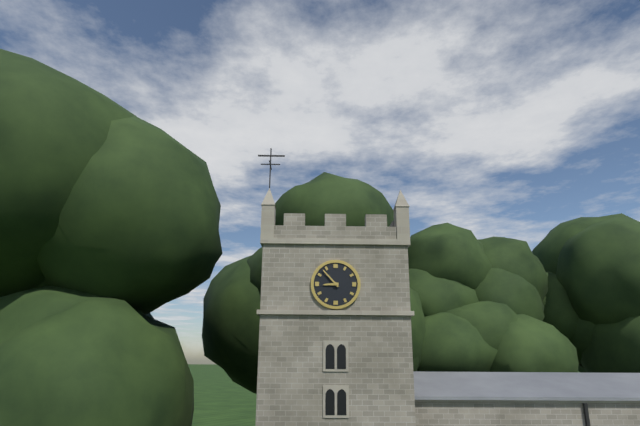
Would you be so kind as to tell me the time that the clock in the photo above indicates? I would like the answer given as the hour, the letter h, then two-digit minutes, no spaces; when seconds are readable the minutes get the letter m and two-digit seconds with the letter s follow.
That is 8h53
